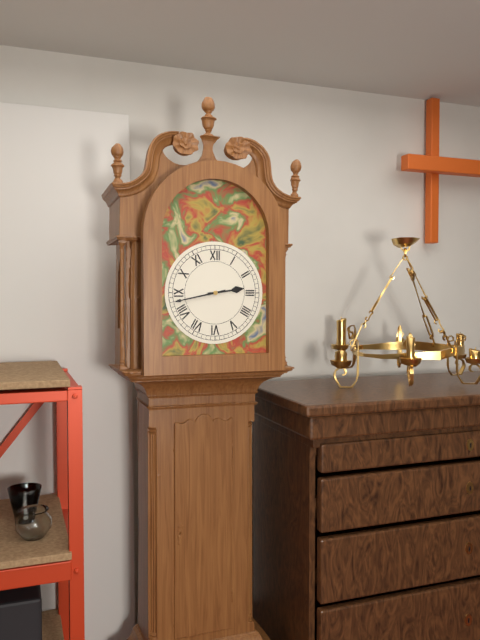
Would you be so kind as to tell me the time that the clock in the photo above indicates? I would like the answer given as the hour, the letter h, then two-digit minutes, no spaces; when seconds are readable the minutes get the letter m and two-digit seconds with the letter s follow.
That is 2h43
